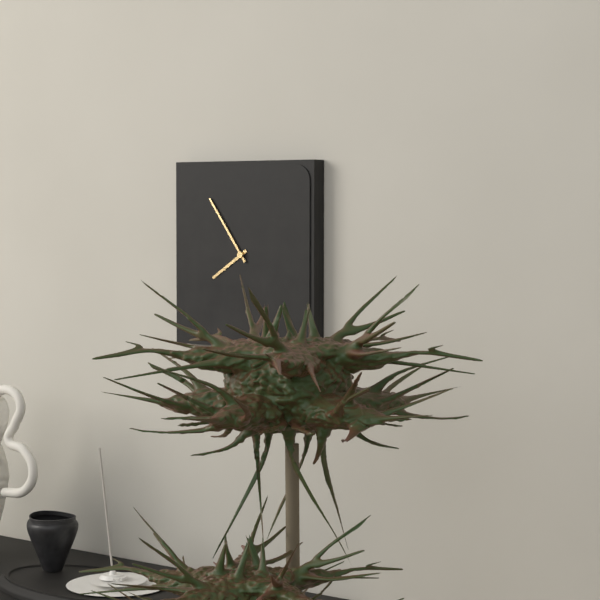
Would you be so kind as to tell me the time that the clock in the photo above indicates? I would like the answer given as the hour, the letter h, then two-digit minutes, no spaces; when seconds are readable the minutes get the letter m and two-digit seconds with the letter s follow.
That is 7h54
